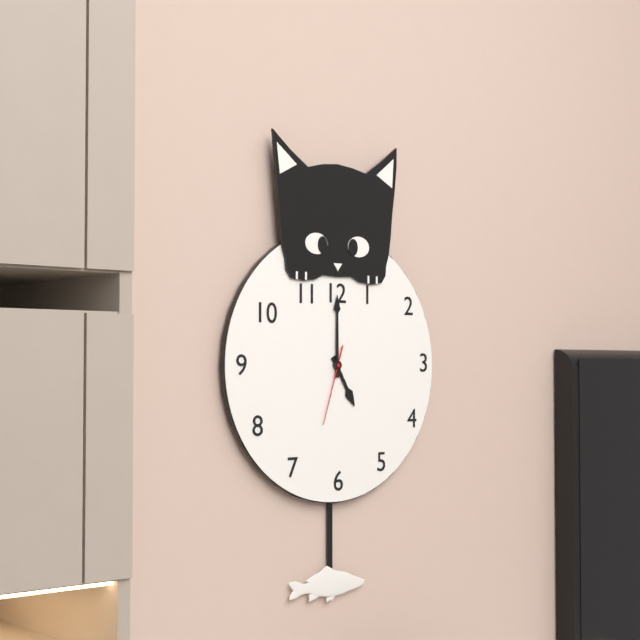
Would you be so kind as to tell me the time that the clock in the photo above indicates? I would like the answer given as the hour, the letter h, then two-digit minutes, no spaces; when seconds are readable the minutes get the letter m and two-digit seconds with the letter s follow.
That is 5h00m33s
